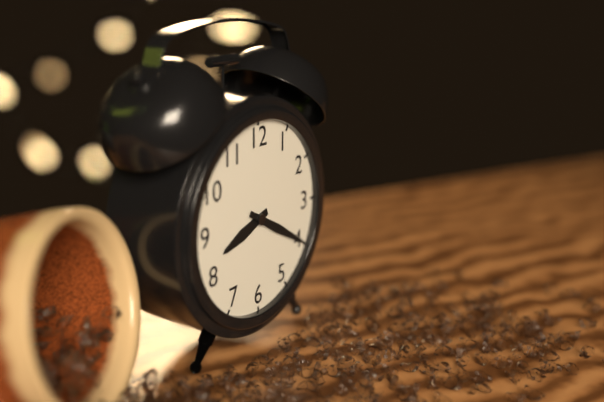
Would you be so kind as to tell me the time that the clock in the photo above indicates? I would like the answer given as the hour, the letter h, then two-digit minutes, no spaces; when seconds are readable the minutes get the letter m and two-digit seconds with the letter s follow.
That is 8h20
